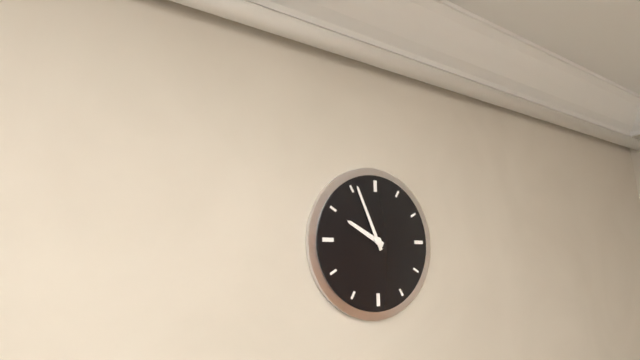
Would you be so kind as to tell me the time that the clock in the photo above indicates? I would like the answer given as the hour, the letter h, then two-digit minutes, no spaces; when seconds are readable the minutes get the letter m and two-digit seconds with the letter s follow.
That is 9h56
